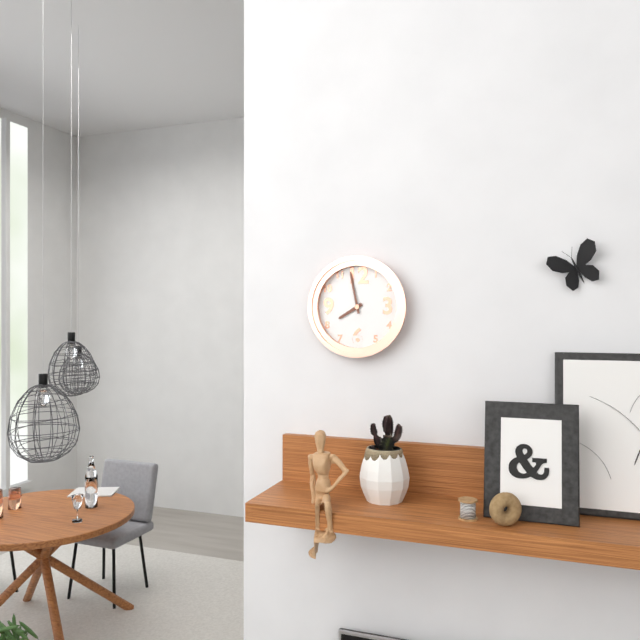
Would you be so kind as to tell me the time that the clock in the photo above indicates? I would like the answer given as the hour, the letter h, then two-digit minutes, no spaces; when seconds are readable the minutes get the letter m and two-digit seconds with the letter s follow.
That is 7h58
